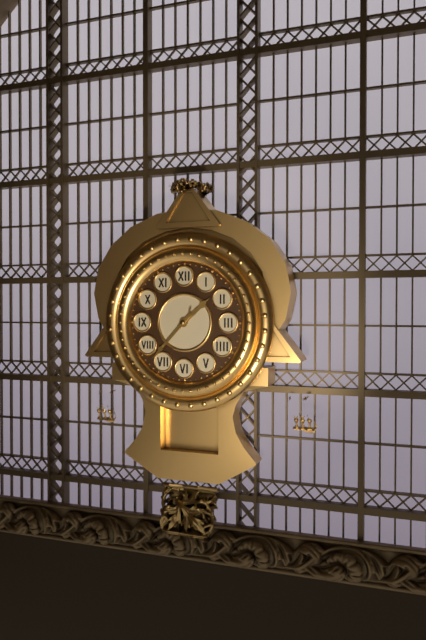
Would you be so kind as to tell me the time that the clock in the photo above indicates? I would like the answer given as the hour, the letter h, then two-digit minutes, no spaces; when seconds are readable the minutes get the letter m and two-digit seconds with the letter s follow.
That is 1h37
